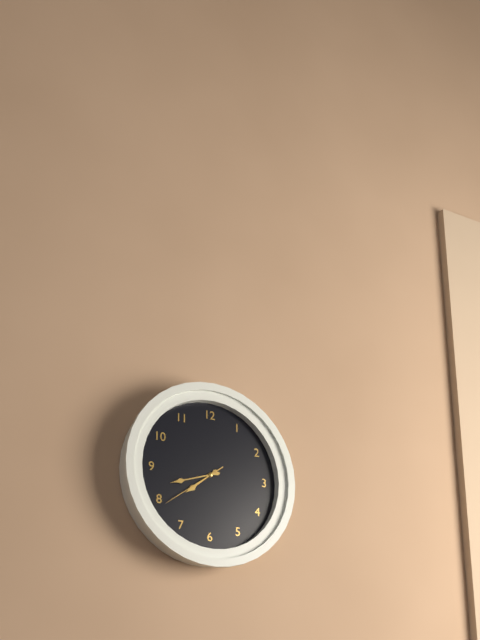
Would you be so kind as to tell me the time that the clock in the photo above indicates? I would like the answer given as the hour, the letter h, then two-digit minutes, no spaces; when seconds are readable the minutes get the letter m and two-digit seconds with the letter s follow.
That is 7h42m39s
